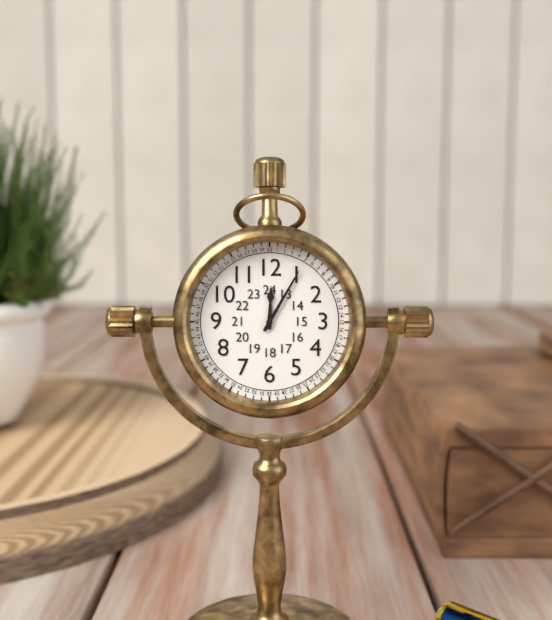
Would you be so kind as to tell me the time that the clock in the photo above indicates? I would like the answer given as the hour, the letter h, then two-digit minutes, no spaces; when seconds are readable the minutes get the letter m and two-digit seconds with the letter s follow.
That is 12h05
